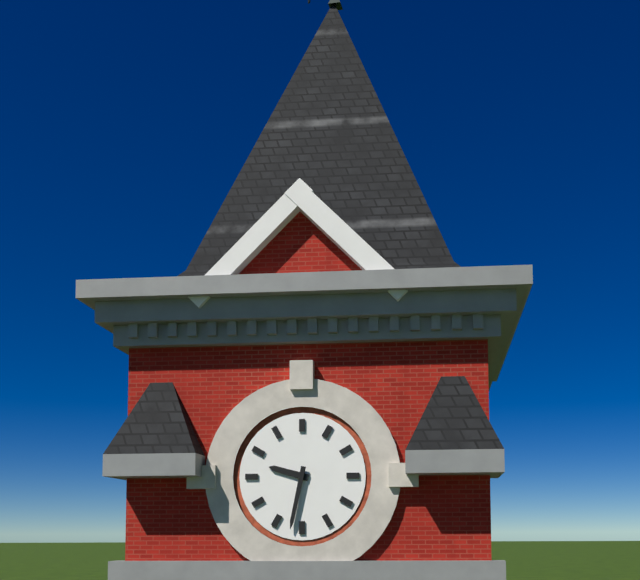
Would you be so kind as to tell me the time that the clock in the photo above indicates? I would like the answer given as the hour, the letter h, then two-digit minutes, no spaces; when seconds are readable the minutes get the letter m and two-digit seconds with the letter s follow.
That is 9h32
